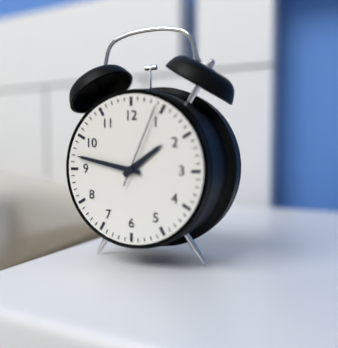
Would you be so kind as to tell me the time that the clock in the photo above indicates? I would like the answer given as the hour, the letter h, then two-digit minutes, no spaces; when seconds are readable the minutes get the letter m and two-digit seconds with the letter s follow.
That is 1h47m04s
